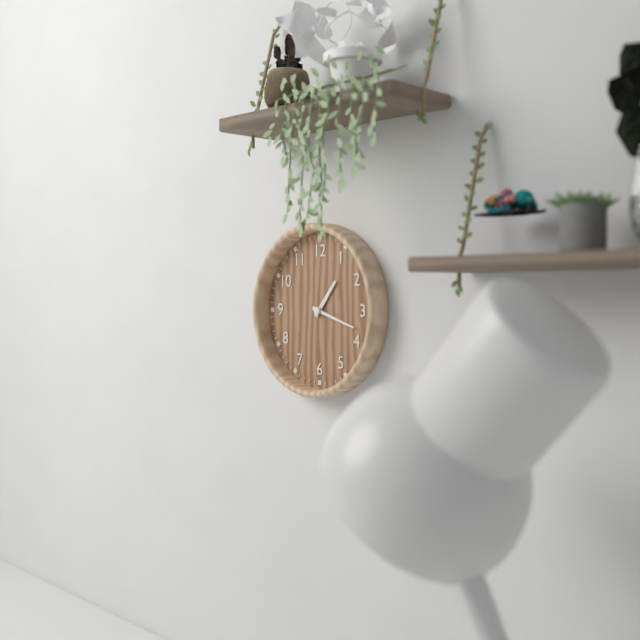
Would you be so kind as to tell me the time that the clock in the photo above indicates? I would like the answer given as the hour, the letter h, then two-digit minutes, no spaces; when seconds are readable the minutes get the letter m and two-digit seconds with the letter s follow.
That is 1h18
